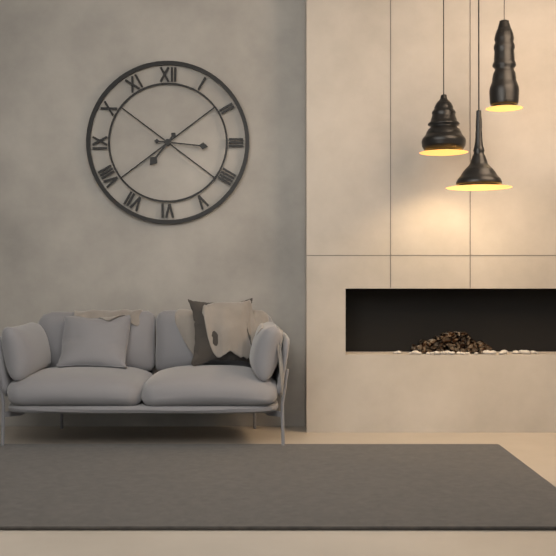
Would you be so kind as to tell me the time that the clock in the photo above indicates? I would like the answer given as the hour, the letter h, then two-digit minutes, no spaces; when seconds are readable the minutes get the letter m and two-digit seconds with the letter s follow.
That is 7h16
